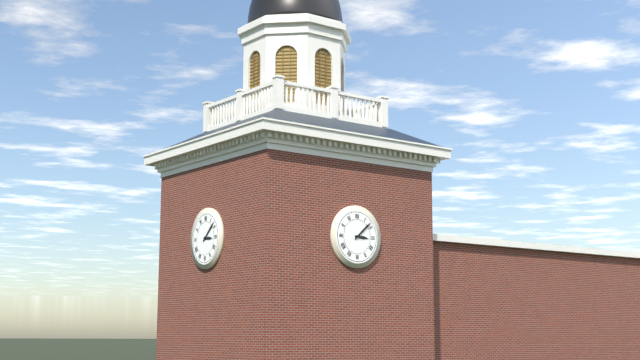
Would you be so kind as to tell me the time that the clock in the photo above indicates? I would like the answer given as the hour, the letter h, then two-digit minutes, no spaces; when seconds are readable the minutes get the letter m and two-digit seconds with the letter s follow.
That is 3h08
